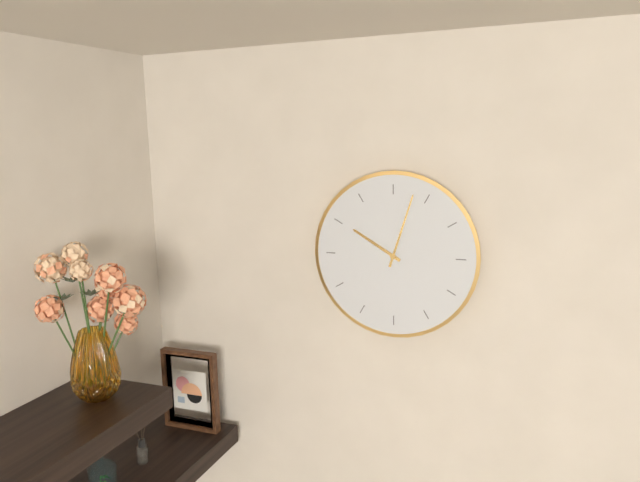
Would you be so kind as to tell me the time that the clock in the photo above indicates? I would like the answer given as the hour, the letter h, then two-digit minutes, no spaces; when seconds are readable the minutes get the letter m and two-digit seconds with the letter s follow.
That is 10h03
